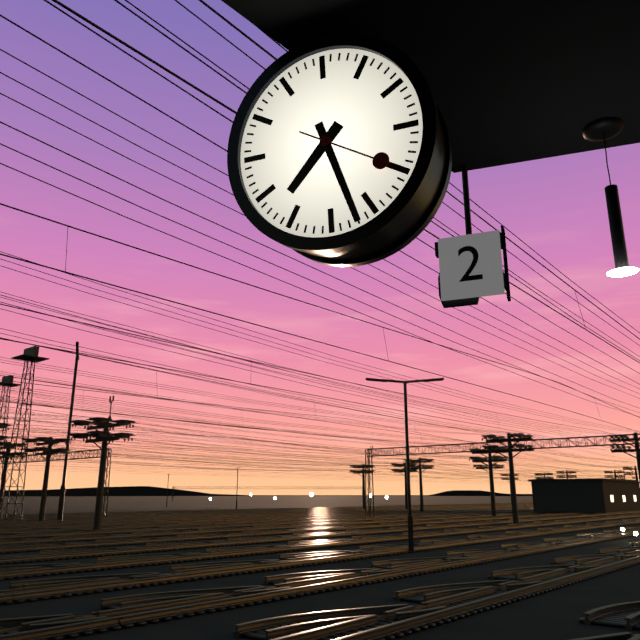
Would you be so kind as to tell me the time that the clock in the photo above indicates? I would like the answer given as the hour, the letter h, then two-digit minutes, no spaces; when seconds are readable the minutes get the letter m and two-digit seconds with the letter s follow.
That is 7h27m20s
